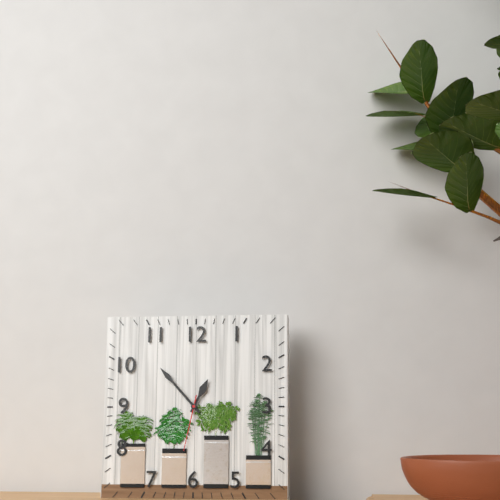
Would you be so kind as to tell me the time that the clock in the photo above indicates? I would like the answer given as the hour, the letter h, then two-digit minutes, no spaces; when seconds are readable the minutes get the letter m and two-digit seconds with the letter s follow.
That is 12h53m32s
